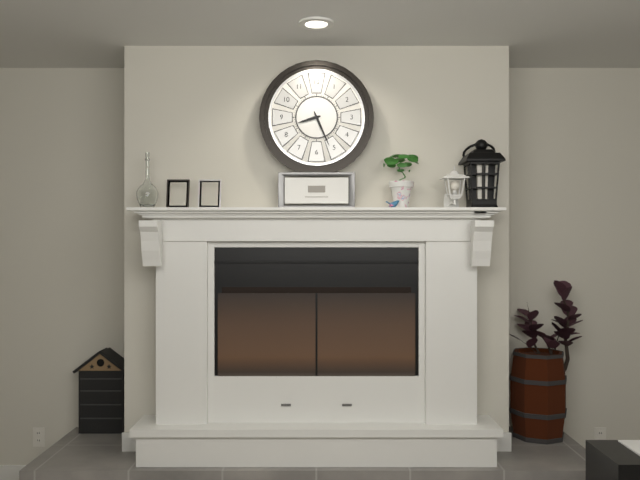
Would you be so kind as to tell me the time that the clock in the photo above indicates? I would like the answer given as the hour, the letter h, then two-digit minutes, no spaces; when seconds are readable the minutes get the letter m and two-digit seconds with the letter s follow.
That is 8h26
